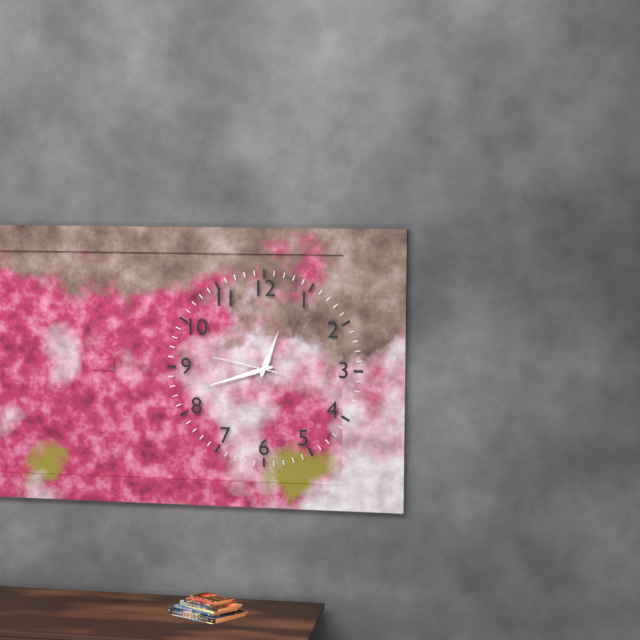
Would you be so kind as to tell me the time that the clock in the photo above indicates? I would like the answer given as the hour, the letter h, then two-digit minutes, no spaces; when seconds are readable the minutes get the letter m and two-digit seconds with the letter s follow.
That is 12h42m47s
